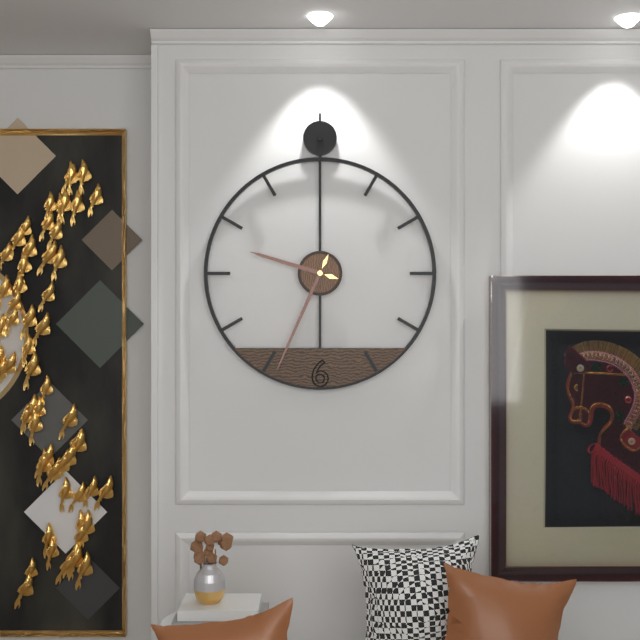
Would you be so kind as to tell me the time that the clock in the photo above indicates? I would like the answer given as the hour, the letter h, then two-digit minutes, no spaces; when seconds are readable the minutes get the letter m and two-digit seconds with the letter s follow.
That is 9h34
